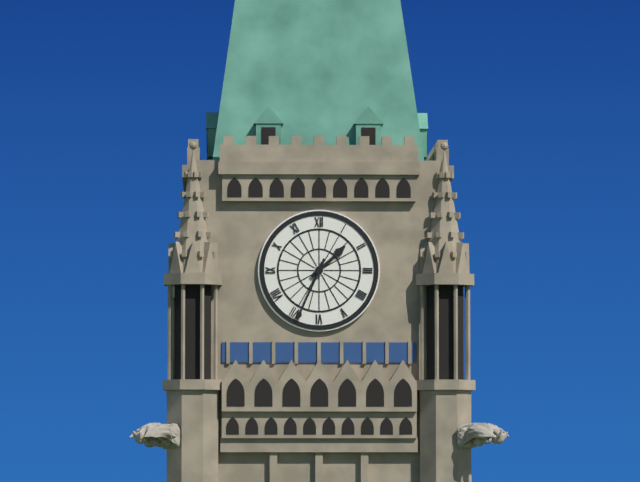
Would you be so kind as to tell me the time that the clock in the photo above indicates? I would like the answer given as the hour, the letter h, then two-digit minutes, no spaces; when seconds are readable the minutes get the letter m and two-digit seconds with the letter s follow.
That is 1h34
